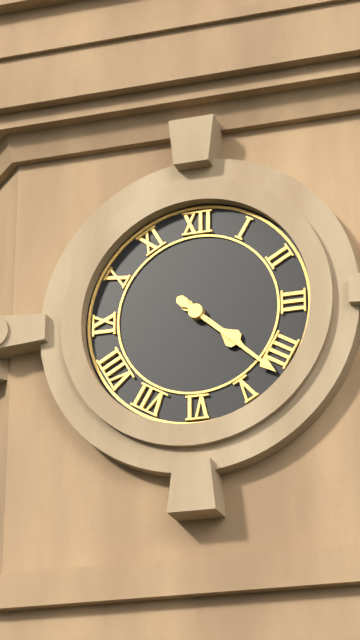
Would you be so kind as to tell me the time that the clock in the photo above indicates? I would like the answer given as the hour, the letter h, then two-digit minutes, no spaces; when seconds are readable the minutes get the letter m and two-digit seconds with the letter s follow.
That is 4h22
